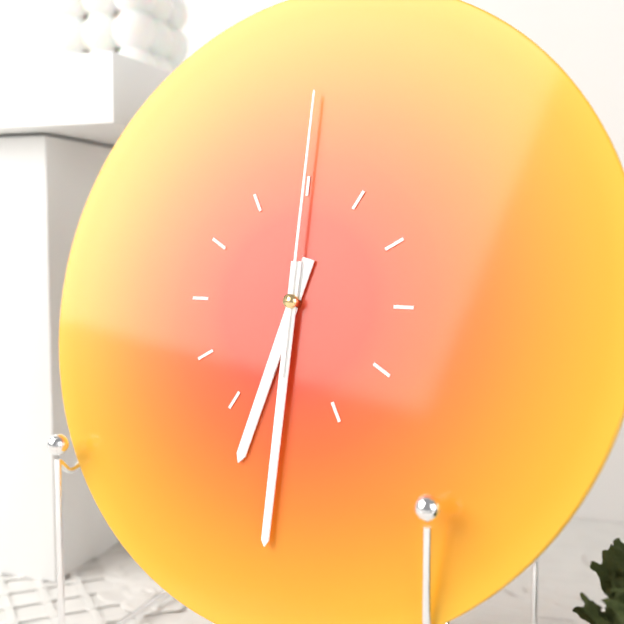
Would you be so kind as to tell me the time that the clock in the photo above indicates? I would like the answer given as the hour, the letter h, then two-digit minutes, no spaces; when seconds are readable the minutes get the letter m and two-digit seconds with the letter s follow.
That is 6h30m00s
